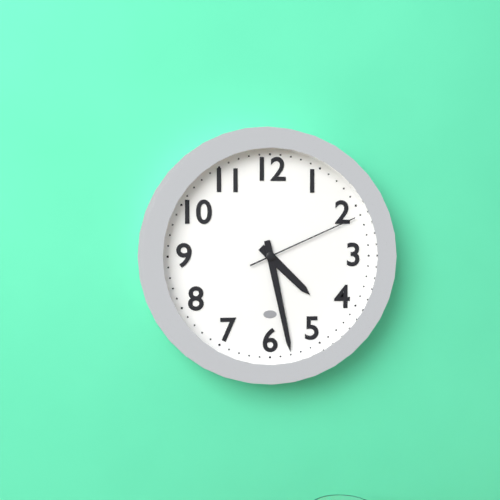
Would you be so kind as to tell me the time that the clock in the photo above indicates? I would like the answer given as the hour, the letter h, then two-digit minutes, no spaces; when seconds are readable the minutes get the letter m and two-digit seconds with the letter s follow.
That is 4h28m11s
